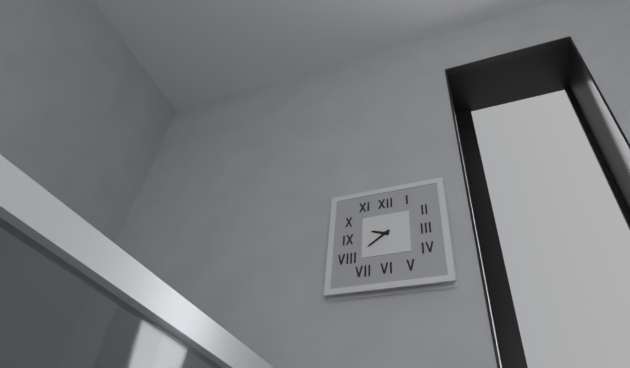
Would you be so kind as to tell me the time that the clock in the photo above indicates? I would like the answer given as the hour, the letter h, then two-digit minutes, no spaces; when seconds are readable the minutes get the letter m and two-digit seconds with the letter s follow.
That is 9h39
